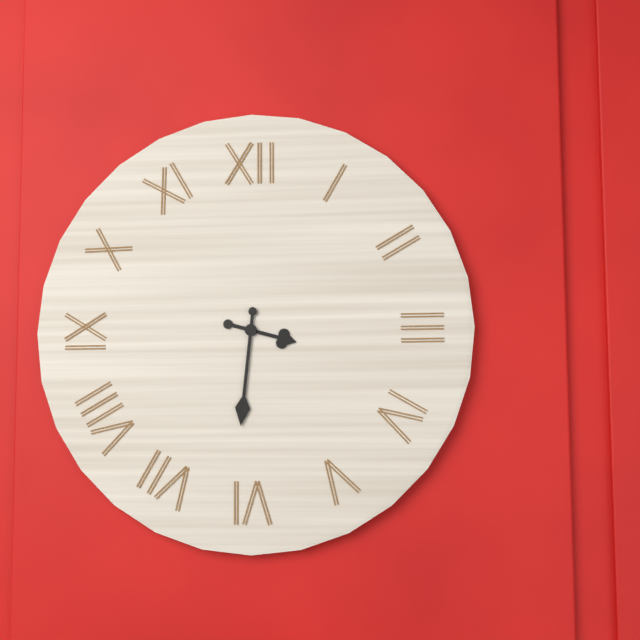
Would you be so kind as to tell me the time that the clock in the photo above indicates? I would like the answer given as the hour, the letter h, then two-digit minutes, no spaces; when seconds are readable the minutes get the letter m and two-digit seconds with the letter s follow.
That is 3h31
